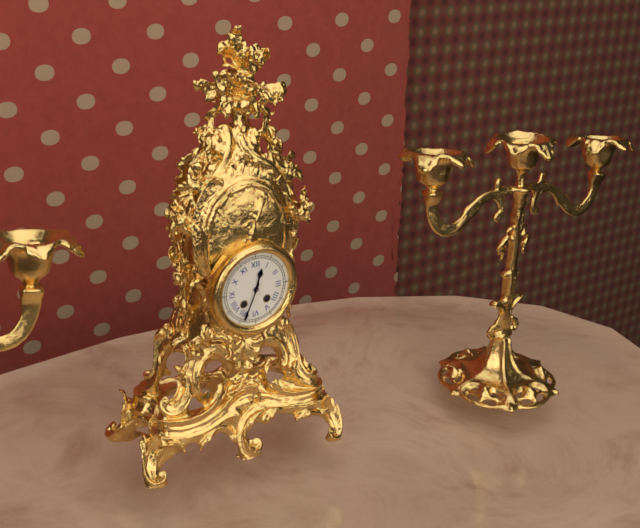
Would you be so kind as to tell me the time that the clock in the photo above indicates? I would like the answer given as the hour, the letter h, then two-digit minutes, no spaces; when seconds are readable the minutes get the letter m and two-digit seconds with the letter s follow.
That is 12h34
